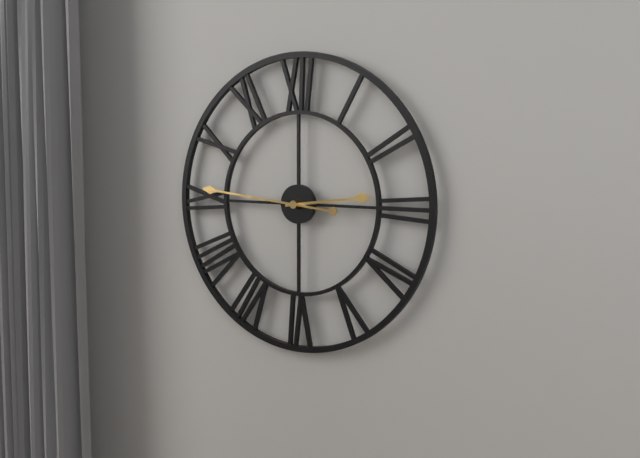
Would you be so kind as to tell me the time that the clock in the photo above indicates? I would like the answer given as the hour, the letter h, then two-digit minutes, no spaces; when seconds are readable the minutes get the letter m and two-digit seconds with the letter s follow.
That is 2h46
